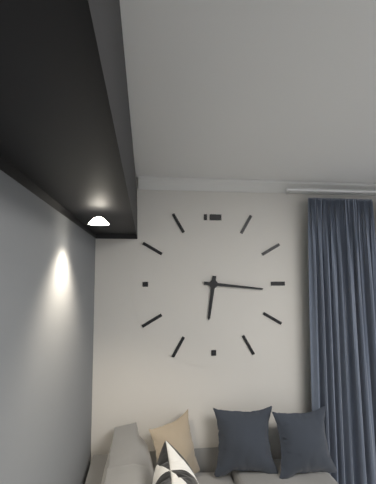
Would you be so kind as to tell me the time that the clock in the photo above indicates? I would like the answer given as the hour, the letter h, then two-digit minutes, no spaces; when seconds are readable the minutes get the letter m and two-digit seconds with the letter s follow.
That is 6h16
